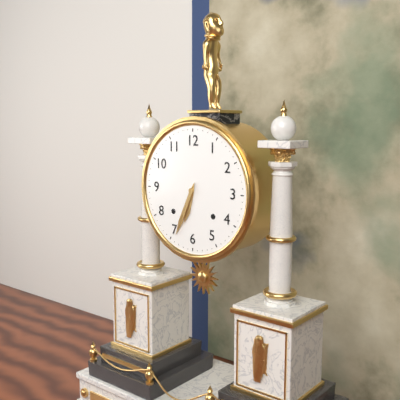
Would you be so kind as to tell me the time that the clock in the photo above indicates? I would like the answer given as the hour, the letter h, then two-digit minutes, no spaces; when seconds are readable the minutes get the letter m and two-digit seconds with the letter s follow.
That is 6h34
